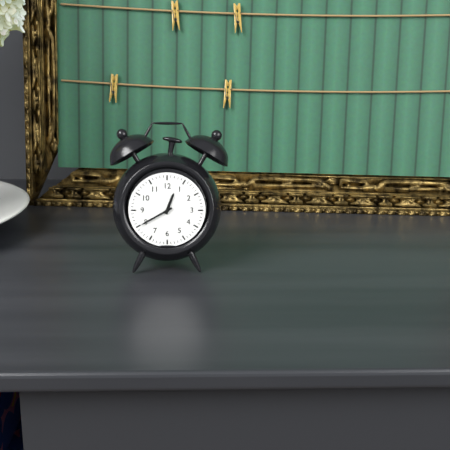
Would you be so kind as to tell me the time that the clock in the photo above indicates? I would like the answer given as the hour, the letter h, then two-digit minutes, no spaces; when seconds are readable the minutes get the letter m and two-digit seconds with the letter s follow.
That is 12h40
